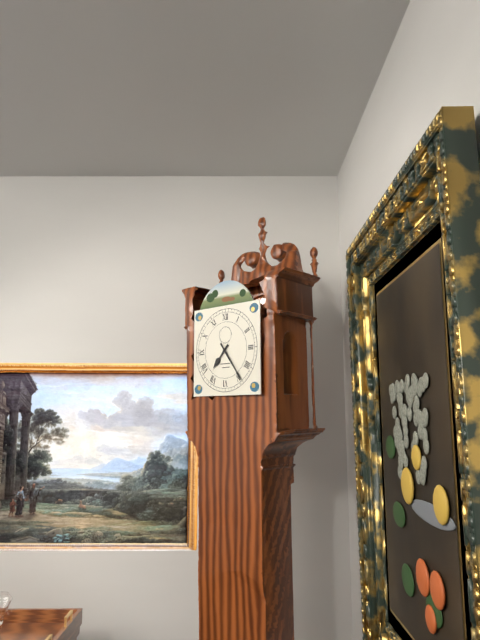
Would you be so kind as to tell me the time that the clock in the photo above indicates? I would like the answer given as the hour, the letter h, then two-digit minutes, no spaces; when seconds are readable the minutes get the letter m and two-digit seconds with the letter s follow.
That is 7h24
